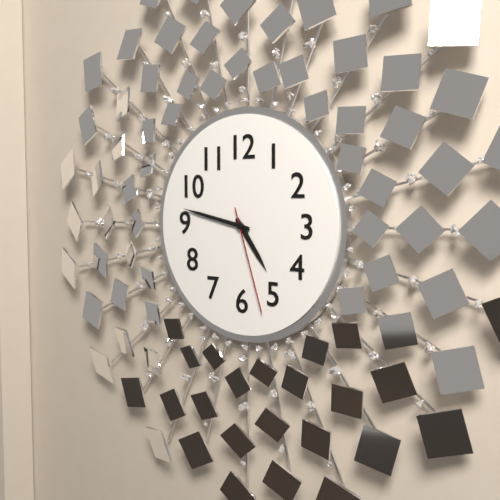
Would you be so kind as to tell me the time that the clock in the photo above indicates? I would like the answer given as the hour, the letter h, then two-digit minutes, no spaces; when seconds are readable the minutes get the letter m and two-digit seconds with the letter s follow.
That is 4h47m27s
